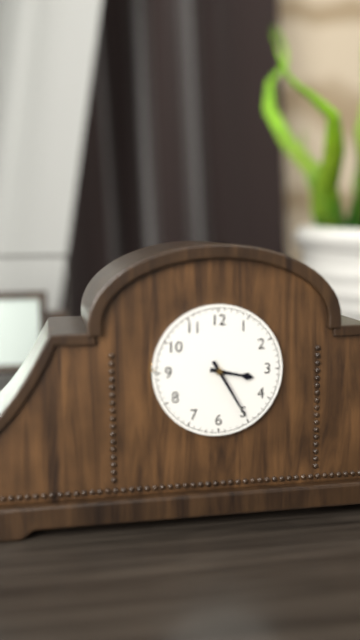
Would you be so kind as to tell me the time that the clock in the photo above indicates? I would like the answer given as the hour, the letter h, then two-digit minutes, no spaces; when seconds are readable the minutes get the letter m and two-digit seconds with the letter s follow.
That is 3h25
